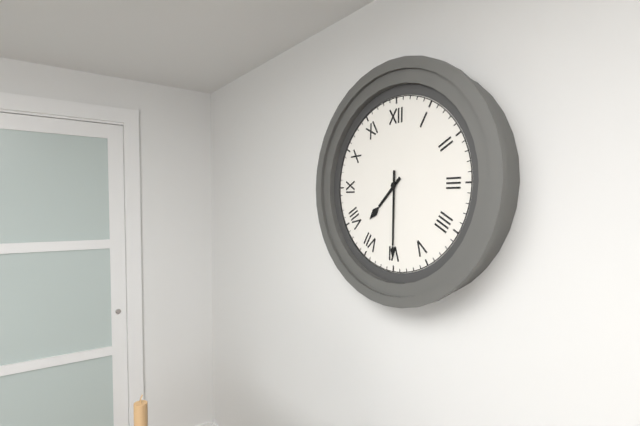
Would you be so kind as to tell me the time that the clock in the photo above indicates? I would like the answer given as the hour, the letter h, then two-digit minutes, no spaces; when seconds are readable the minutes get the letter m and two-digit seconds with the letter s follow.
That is 7h30
